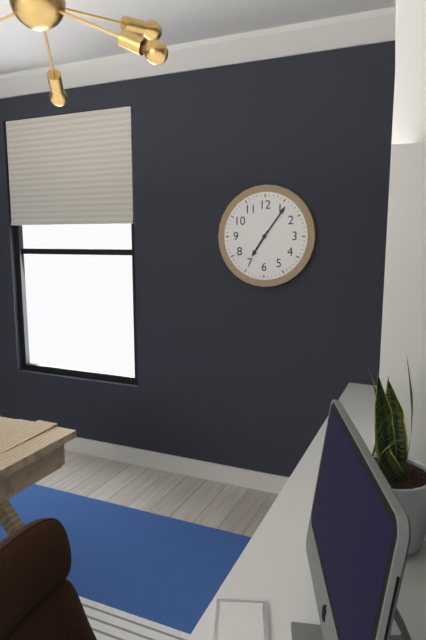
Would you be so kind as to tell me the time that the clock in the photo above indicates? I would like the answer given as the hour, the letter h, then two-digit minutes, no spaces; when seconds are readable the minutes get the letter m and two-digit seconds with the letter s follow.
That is 7h06
